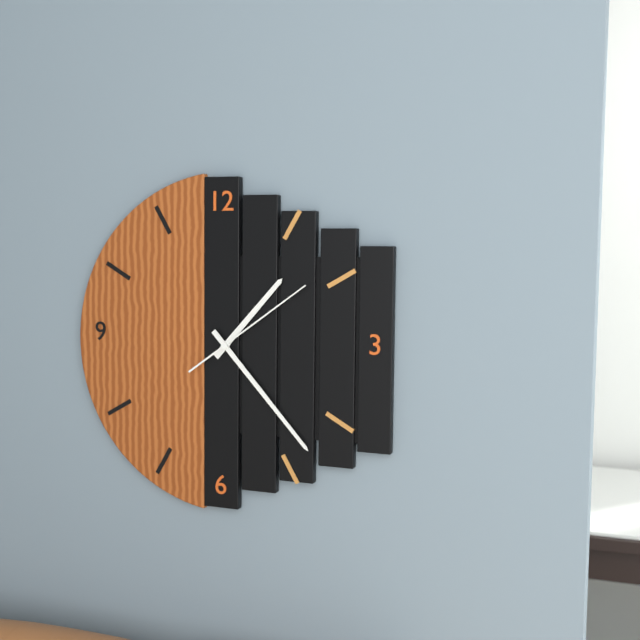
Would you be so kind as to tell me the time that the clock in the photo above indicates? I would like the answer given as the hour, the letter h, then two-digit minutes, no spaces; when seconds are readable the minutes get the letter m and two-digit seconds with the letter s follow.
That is 1h23m09s
